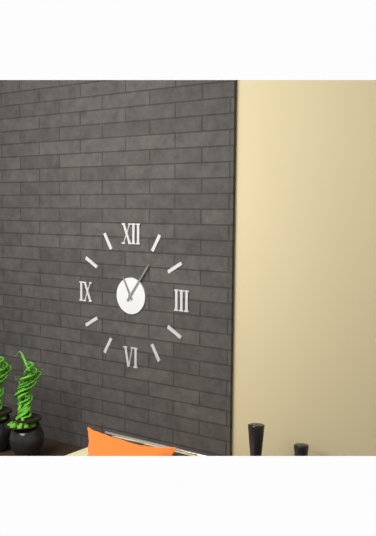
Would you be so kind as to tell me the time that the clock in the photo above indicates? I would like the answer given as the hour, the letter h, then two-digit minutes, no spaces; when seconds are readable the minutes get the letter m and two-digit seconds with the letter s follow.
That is 11h06
